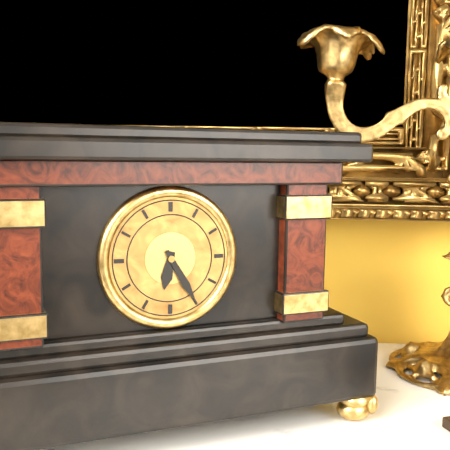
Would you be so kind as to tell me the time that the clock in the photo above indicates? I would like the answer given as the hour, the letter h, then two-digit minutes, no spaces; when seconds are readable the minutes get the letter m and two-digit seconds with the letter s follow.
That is 6h25
